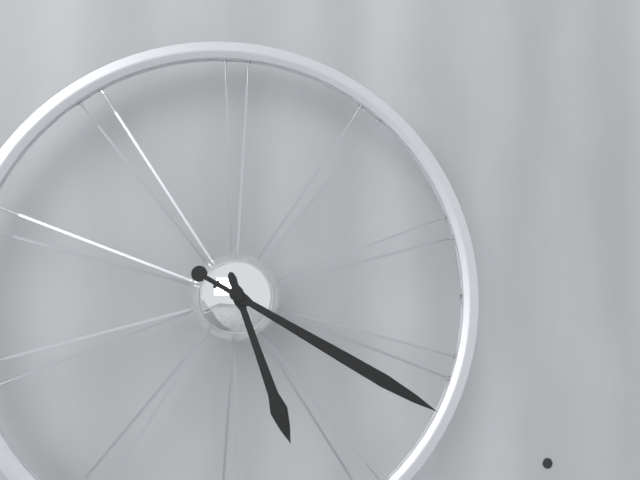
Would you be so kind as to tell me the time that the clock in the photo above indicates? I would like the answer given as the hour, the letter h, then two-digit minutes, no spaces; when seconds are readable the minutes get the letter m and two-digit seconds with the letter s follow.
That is 5h20
